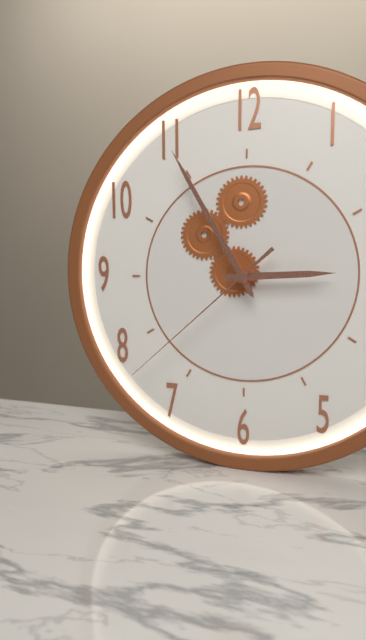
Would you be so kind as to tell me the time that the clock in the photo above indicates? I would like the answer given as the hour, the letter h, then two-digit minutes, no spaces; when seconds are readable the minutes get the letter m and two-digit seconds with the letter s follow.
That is 2h55m38s
